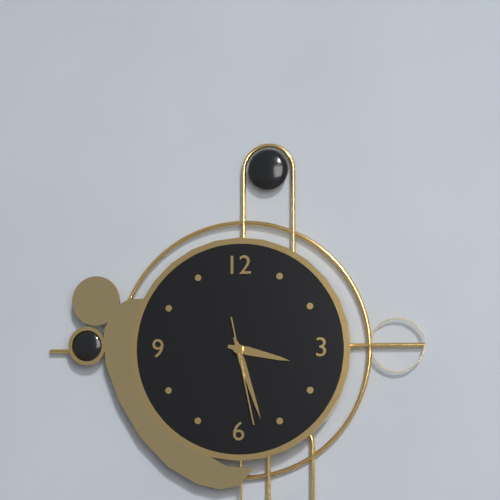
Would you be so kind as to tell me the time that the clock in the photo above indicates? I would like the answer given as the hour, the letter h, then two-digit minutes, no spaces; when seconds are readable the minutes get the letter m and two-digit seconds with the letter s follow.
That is 3h27m28s
